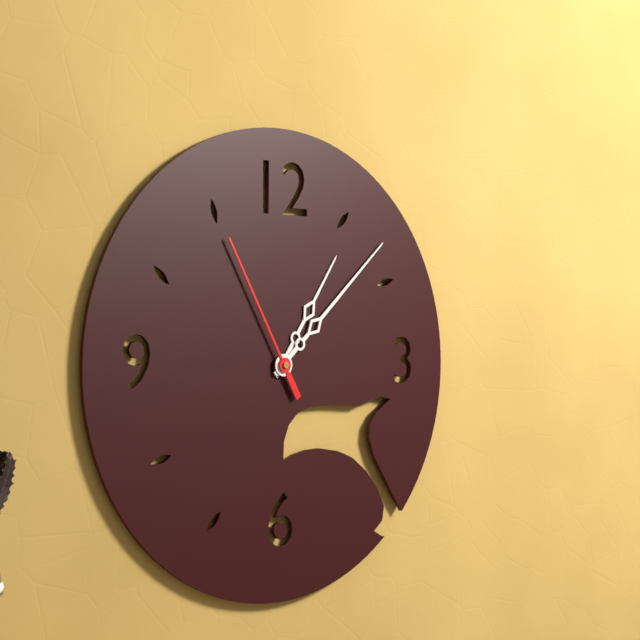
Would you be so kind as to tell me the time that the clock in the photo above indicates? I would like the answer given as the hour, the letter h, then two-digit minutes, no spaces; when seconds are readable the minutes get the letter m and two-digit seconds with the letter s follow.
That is 1h08m55s
